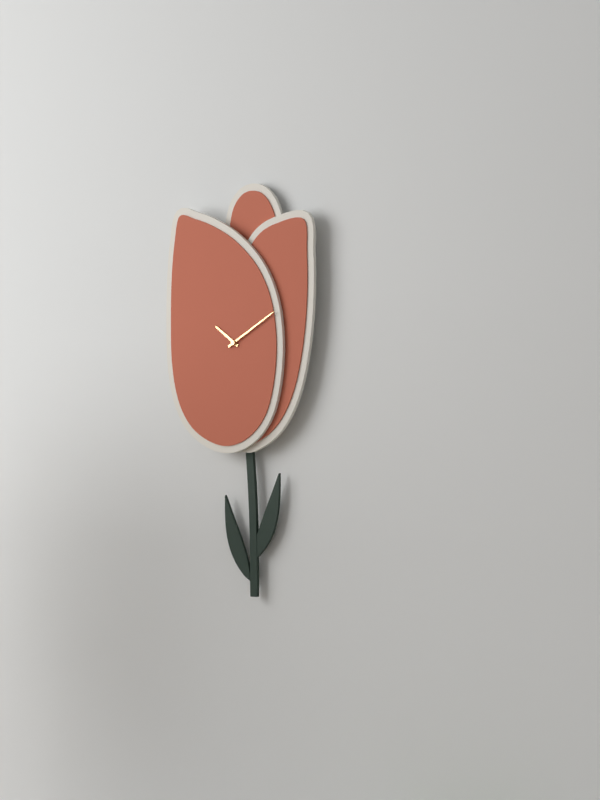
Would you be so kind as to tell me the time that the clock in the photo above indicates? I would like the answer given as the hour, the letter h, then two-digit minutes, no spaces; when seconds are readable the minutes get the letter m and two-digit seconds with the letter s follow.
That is 10h10
